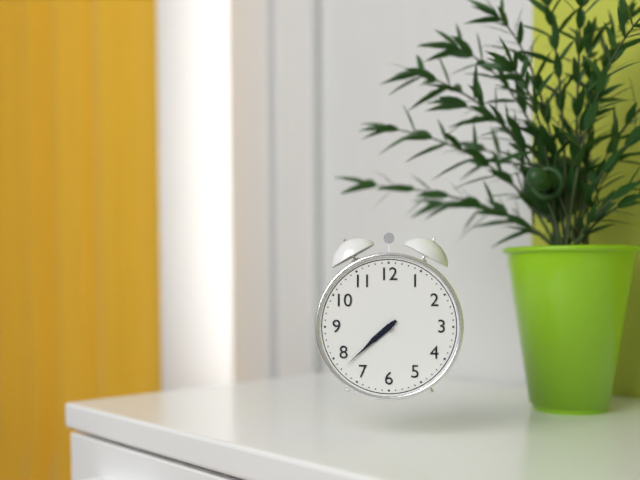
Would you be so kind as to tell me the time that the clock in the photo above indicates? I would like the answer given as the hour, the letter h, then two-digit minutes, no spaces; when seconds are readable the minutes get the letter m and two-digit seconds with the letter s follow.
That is 7h38
